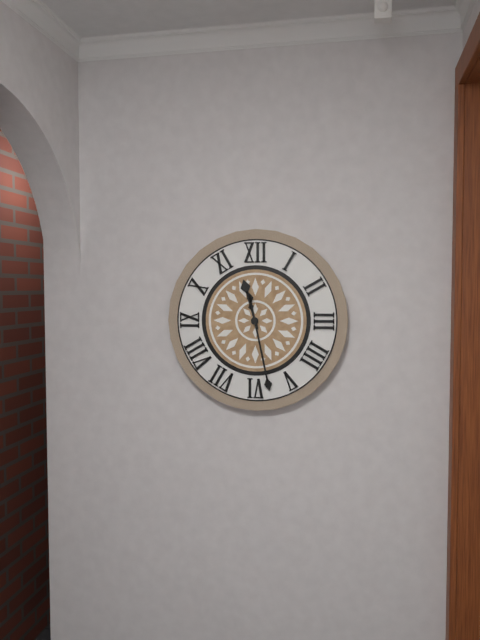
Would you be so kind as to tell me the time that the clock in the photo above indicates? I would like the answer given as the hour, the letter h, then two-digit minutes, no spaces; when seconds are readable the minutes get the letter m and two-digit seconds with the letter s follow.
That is 11h28
